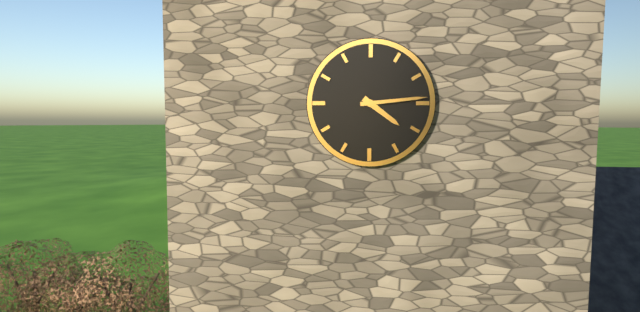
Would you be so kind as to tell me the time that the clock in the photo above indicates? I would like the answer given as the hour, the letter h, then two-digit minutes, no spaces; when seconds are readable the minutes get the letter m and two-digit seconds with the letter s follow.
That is 4h14
